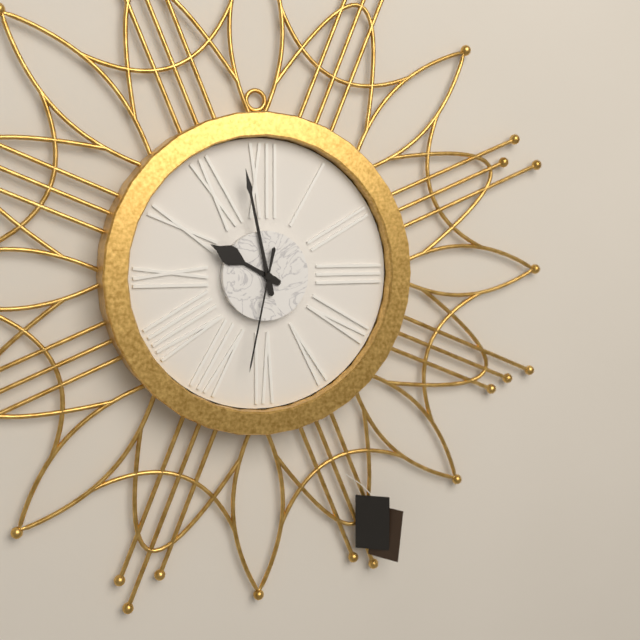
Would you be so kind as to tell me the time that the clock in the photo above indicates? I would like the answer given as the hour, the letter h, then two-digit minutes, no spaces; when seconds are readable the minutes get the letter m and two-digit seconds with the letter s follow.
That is 9h58m32s
